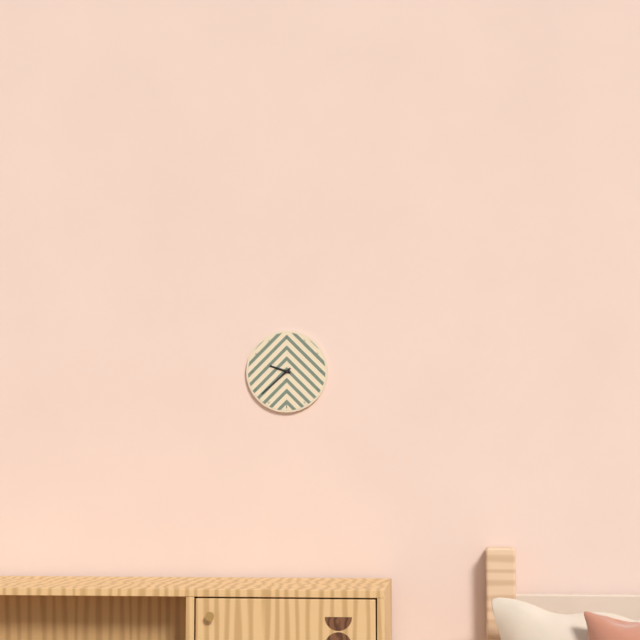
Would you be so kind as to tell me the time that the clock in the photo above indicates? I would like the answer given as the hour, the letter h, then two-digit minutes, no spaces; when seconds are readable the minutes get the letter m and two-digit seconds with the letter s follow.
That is 9h38
